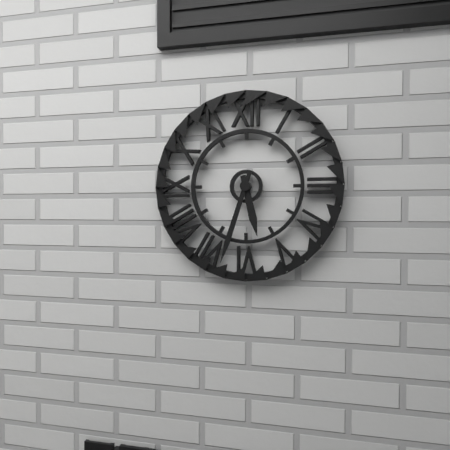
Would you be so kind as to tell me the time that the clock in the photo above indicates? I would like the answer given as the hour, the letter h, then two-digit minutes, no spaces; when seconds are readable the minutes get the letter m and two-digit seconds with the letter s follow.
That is 5h33
